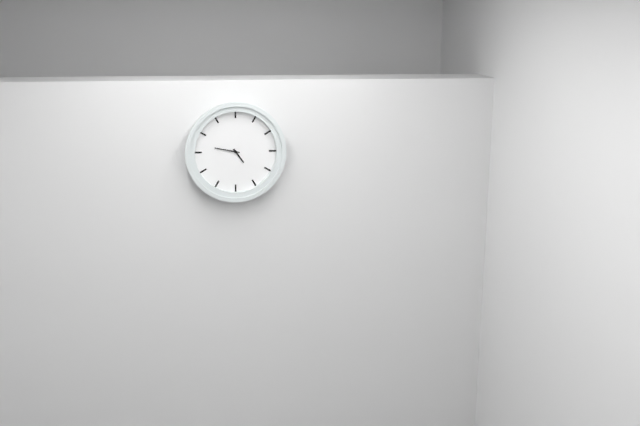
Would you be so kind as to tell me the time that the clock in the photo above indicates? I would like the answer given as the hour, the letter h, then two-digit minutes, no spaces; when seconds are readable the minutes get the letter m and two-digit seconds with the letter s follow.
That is 4h47
